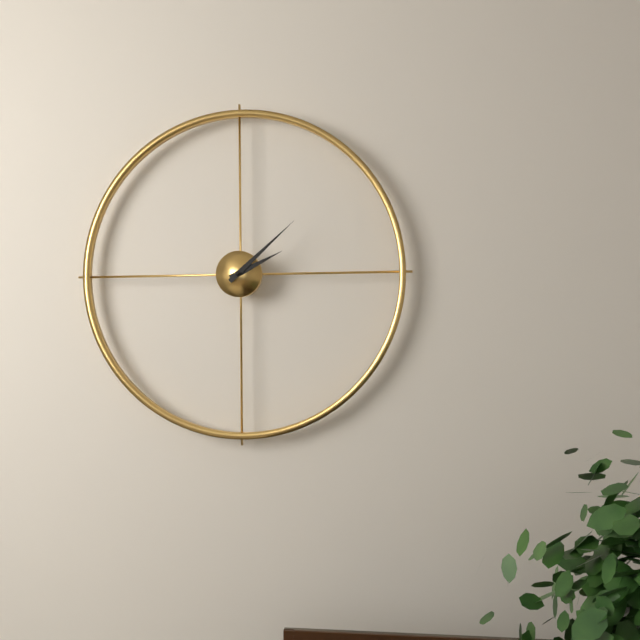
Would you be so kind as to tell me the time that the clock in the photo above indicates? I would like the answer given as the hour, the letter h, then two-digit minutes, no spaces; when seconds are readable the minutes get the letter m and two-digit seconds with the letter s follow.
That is 2h08
